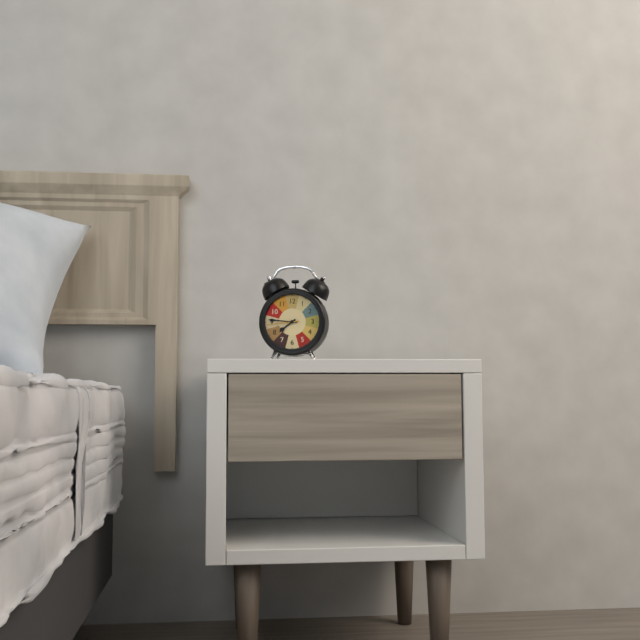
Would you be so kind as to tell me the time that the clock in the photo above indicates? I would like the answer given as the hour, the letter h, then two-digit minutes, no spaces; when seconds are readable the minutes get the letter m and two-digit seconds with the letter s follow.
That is 7h46
